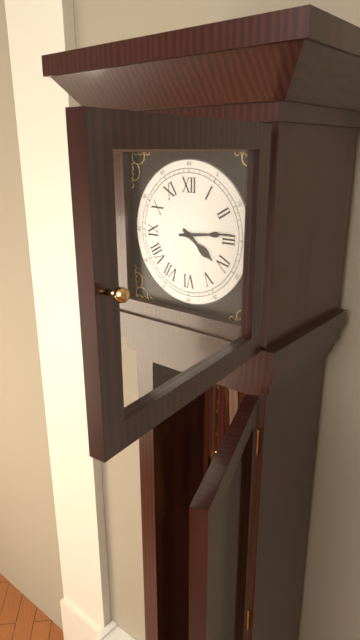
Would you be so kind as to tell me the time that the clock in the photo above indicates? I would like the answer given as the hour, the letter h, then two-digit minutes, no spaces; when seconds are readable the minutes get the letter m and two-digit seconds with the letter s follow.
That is 4h14
